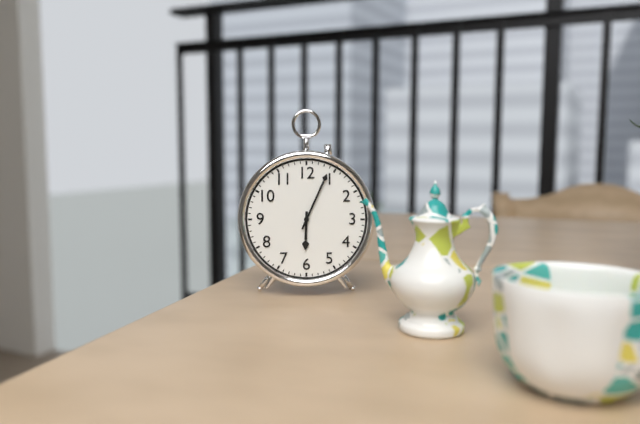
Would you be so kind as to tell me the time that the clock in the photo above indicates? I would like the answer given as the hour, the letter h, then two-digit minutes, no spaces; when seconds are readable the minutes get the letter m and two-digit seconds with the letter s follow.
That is 6h04
